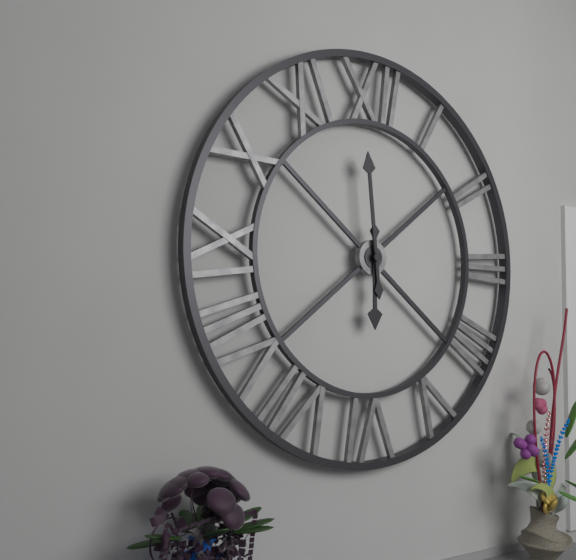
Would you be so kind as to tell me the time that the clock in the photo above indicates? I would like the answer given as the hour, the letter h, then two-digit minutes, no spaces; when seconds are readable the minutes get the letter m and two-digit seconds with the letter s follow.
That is 5h59
